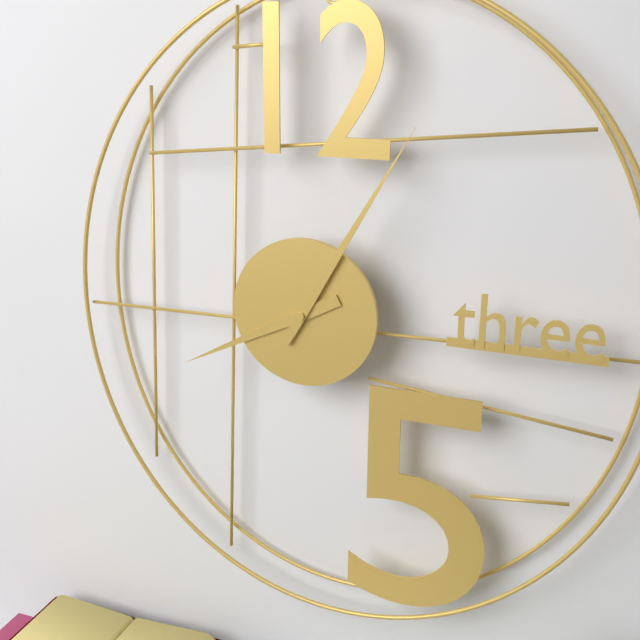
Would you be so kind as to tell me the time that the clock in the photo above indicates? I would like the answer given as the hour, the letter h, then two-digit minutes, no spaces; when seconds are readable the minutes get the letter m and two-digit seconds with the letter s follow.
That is 8h05
